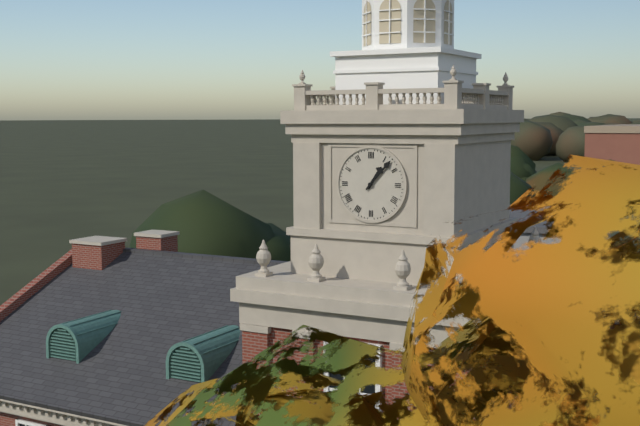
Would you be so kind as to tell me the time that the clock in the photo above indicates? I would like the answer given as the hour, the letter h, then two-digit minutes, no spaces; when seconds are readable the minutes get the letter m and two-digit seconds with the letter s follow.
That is 1h07
